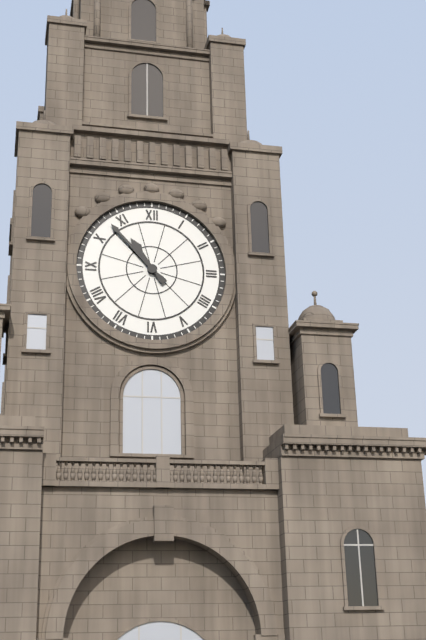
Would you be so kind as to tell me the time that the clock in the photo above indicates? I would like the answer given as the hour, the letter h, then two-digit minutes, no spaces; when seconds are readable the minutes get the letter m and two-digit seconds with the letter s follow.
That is 10h53
